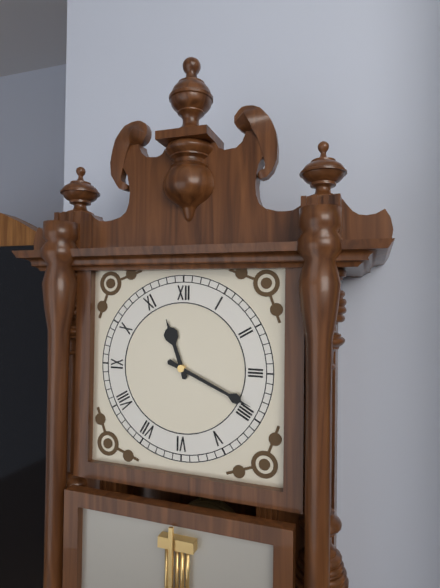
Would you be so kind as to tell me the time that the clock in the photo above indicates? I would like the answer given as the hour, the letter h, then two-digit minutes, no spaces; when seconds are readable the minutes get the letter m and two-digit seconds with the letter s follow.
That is 11h19
